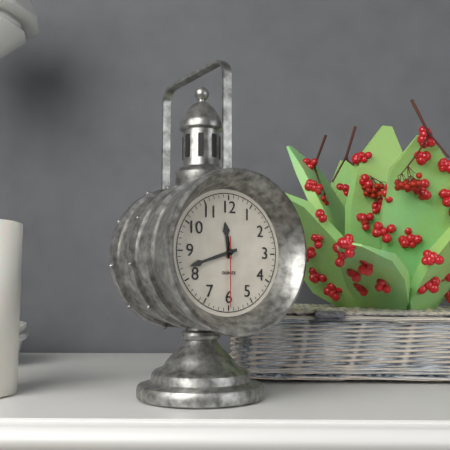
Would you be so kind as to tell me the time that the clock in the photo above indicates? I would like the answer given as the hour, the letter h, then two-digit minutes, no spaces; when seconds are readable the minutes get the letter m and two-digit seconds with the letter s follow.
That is 11h42m30s
